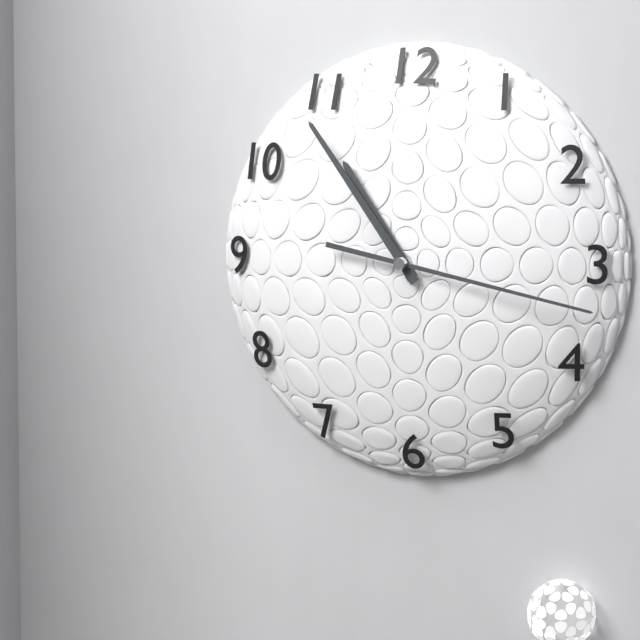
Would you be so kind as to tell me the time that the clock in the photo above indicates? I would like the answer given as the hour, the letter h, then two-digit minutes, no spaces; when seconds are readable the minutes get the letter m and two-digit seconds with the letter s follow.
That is 10h54m17s
